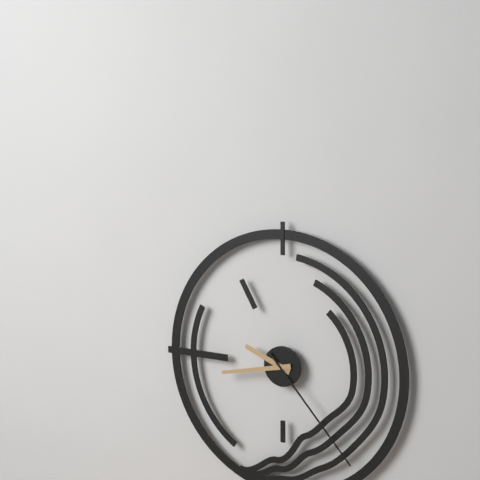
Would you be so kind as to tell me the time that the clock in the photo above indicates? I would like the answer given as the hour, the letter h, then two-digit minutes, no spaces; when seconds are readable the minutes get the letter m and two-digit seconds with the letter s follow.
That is 9h43m23s
